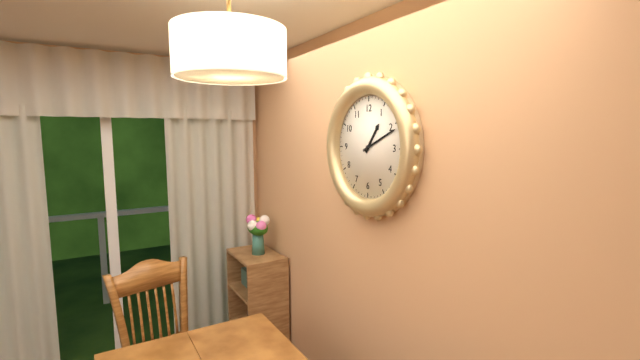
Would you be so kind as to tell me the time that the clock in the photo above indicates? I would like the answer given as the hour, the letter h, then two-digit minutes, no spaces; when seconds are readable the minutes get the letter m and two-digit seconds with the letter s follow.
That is 1h11
